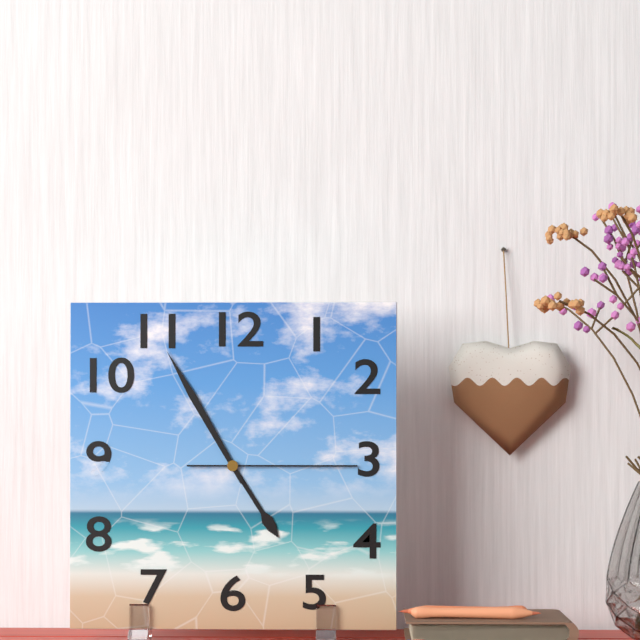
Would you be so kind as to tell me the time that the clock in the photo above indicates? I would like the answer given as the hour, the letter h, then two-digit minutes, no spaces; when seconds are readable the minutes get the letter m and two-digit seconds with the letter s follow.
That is 4h55m15s
